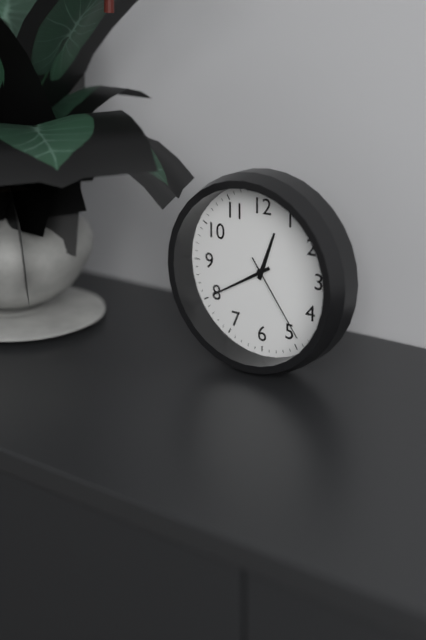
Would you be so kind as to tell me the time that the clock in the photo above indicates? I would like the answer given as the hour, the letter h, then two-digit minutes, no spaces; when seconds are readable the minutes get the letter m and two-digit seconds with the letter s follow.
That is 12h40m24s
